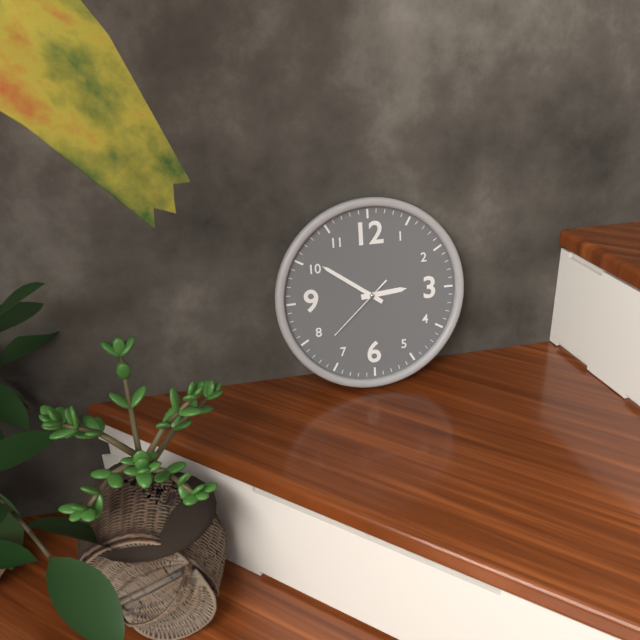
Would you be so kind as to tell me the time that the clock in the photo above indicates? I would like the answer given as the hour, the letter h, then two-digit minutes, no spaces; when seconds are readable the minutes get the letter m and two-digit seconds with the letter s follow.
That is 2h51m38s
